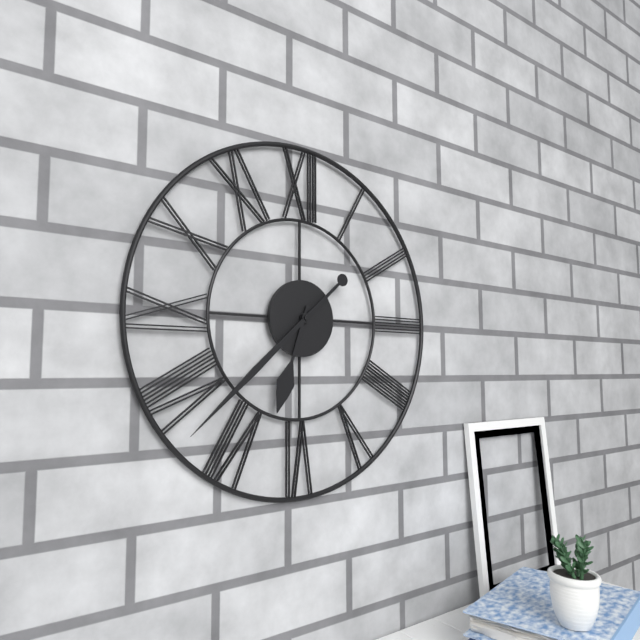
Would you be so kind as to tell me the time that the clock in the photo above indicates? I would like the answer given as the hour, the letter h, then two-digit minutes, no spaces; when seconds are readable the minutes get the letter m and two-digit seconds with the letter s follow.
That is 6h38
